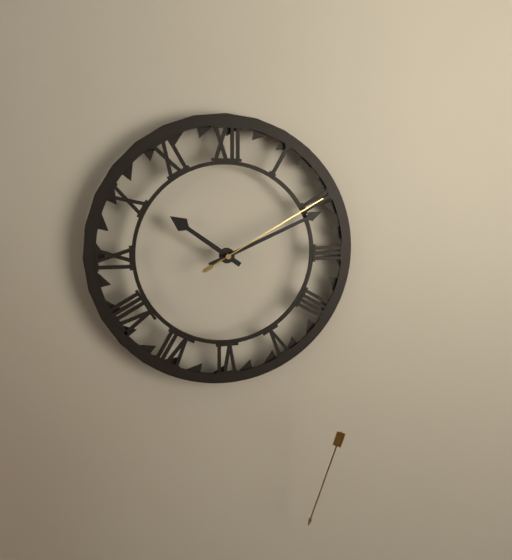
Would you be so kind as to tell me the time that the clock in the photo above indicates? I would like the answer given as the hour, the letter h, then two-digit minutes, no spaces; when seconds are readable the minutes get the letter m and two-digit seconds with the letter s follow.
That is 10h11m10s
